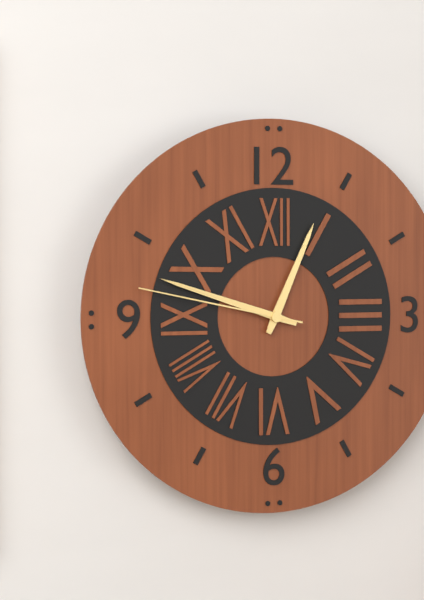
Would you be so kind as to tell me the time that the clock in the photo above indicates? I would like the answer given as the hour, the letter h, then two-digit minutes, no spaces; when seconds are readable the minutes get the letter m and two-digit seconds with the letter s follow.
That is 12h48m47s
